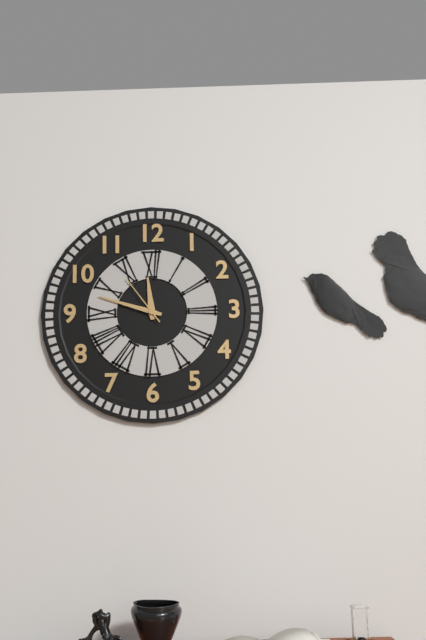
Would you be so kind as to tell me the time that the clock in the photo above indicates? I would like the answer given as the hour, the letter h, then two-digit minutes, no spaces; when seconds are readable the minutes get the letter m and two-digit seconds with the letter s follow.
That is 11h48m54s
